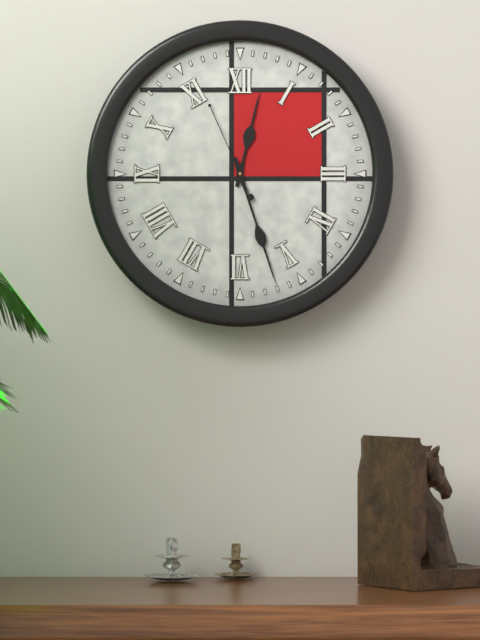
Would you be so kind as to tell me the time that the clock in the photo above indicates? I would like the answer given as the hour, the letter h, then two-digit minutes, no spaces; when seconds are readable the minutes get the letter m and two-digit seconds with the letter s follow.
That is 12h27m56s
